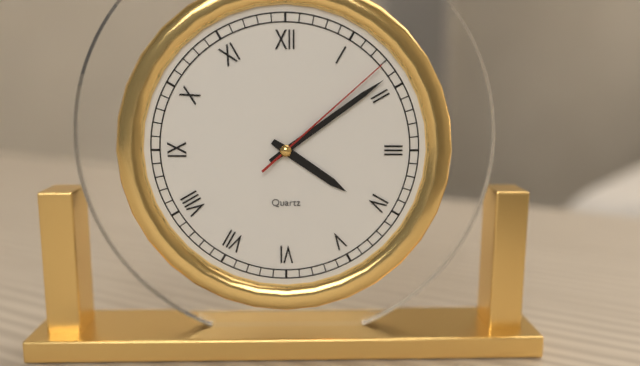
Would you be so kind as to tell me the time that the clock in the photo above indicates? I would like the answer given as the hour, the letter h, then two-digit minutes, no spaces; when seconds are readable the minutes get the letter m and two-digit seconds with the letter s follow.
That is 4h09m08s
